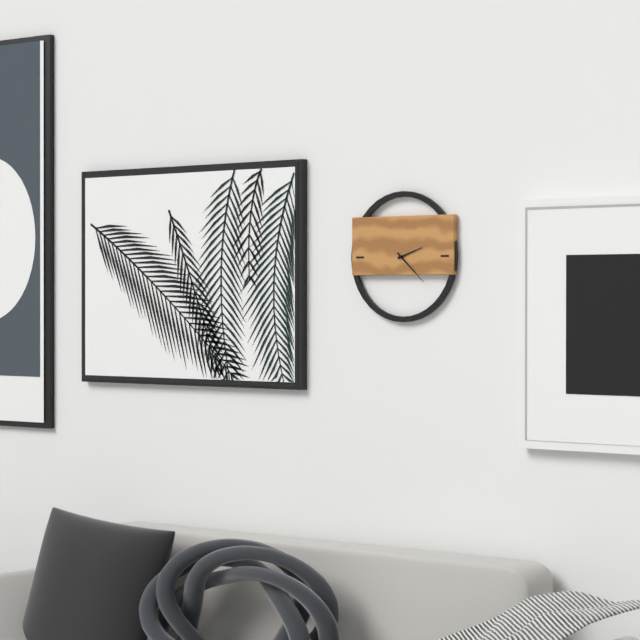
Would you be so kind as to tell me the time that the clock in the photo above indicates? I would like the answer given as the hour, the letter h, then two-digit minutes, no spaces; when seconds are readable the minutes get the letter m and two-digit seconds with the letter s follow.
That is 2h22
